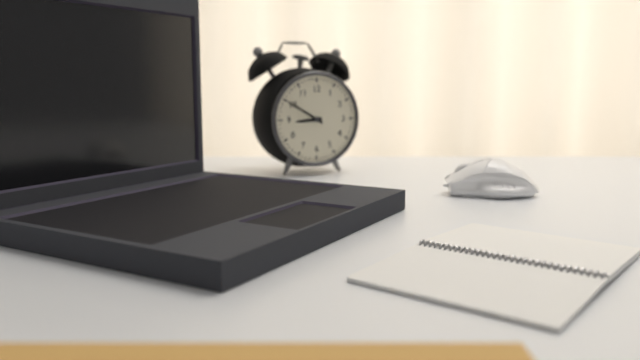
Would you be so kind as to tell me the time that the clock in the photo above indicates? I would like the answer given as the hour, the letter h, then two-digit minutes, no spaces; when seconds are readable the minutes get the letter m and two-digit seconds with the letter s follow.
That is 8h50
